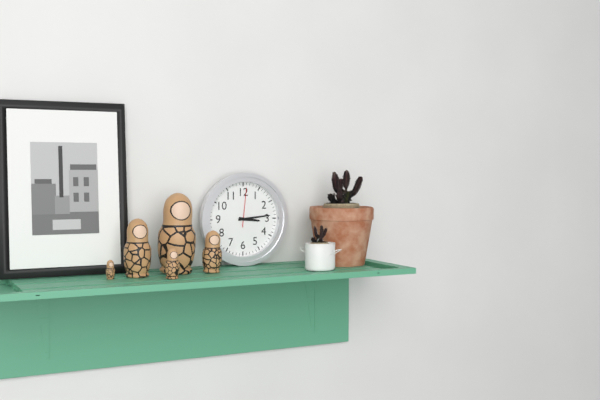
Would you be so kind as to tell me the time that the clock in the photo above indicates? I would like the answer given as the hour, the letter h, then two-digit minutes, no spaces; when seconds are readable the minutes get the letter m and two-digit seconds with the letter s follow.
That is 3h14
